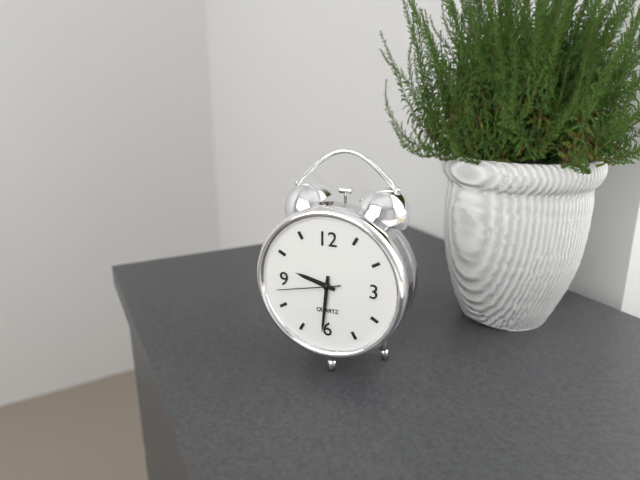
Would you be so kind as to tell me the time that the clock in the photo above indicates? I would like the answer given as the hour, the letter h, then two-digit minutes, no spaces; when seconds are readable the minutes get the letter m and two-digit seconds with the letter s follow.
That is 9h31m43s
